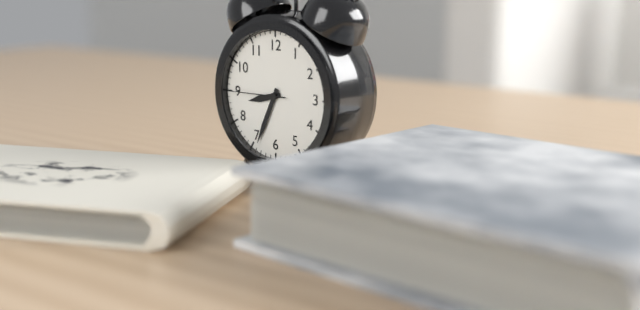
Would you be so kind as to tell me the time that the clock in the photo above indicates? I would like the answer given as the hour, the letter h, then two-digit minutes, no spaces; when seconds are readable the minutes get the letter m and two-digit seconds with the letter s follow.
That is 8h34m45s
